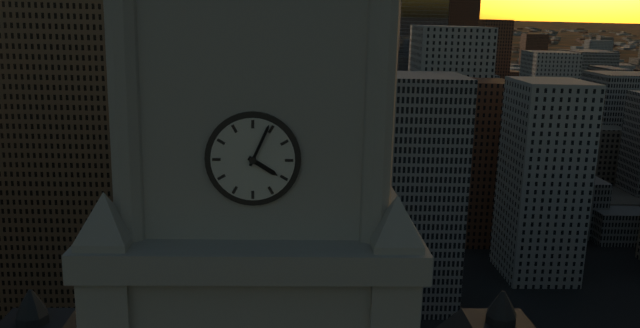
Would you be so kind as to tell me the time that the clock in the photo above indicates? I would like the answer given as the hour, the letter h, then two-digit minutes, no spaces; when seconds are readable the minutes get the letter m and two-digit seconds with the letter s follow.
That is 4h04
